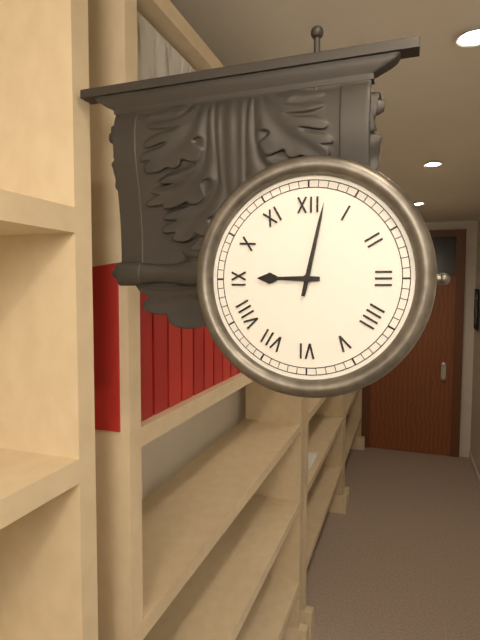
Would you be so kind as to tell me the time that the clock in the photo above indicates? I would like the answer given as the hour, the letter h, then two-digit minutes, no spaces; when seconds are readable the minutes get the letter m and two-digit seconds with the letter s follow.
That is 9h02
